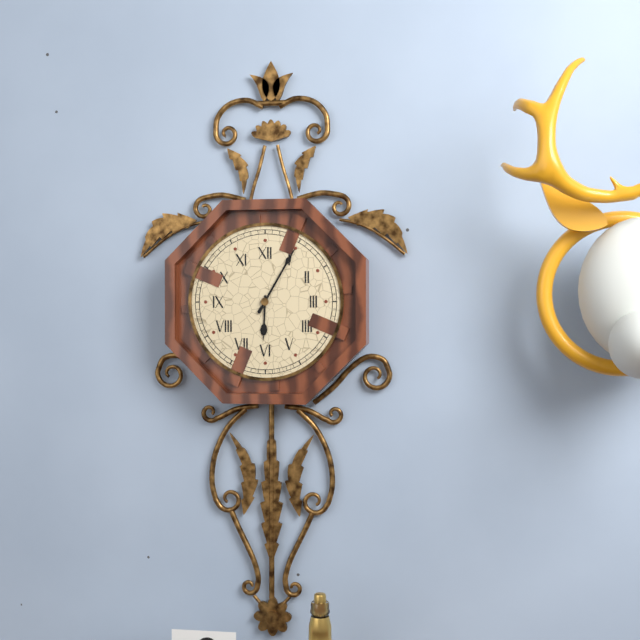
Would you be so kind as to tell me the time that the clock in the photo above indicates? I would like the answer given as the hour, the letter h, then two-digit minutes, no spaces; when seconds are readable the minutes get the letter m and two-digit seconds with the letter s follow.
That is 6h05
